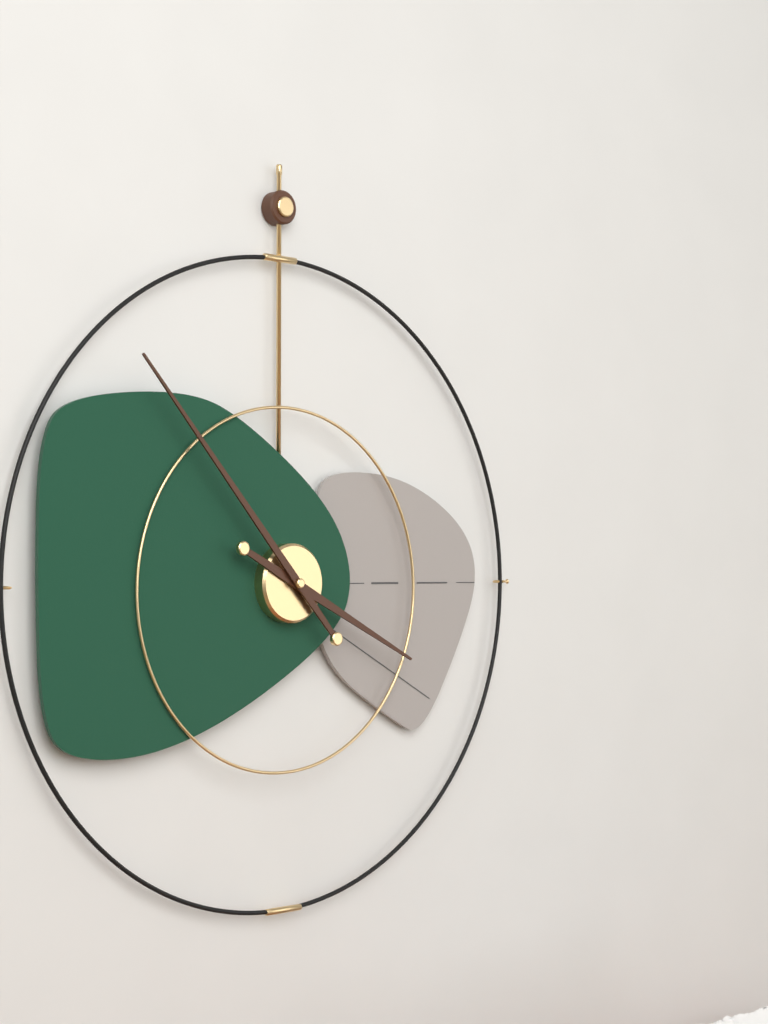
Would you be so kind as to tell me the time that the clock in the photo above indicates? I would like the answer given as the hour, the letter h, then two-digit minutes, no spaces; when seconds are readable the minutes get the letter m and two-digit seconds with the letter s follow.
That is 3h53
